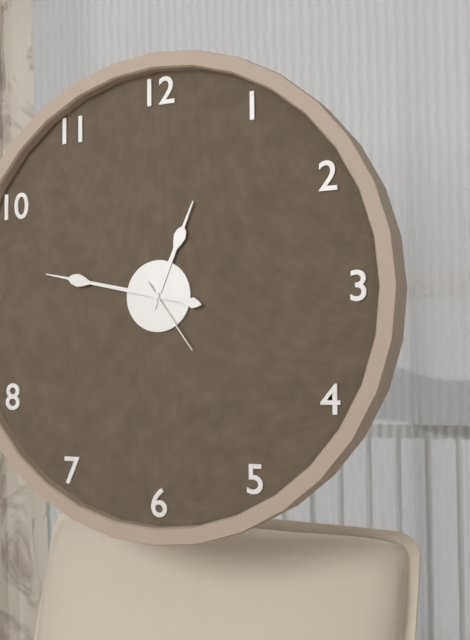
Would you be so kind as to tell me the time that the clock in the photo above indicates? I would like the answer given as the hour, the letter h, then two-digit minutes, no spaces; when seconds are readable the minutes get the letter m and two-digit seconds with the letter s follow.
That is 12h47m24s
